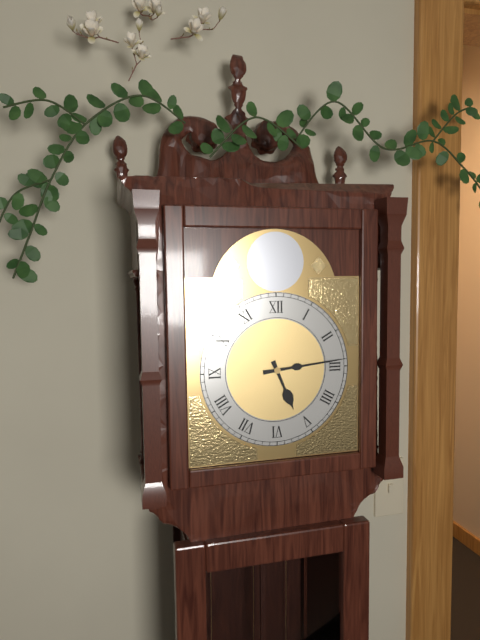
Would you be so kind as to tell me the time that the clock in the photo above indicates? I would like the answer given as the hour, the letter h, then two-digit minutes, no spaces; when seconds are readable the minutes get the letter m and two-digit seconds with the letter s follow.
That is 5h14
